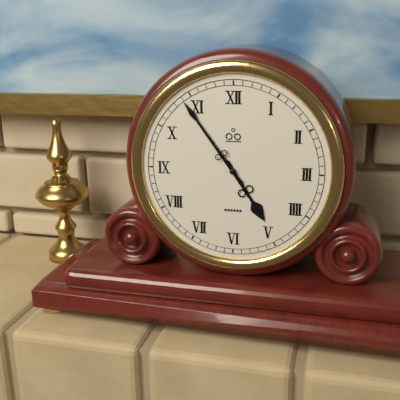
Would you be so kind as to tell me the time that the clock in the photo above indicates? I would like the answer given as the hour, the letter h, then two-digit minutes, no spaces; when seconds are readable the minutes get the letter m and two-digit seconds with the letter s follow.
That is 4h54
